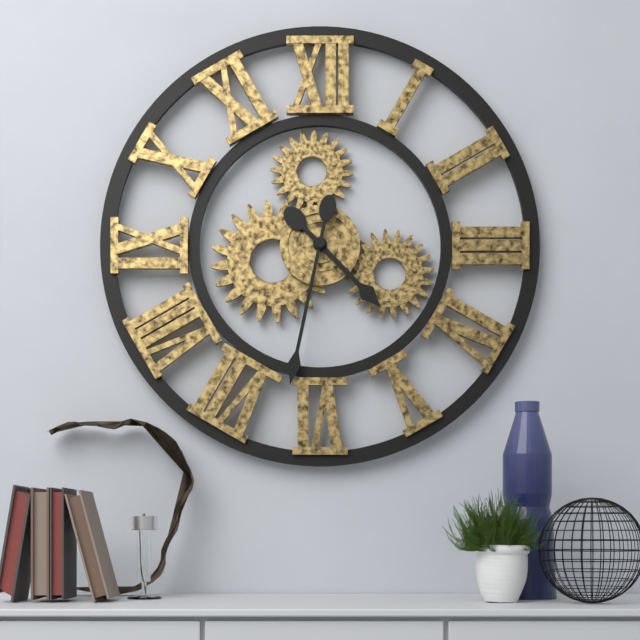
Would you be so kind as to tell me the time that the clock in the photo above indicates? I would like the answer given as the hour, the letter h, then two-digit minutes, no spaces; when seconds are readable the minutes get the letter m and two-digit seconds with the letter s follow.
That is 4h32
